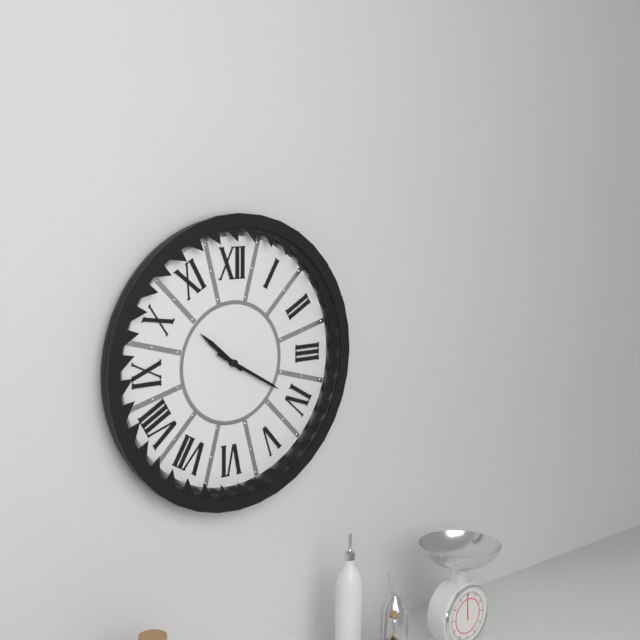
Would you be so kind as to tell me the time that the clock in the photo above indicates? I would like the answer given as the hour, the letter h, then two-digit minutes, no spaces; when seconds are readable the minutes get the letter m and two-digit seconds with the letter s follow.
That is 10h20
